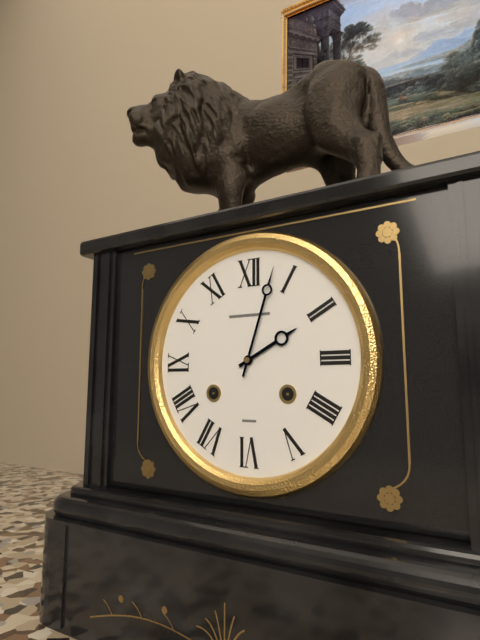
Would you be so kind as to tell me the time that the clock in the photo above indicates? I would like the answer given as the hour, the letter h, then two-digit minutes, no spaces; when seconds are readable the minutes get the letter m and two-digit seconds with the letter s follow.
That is 2h03
